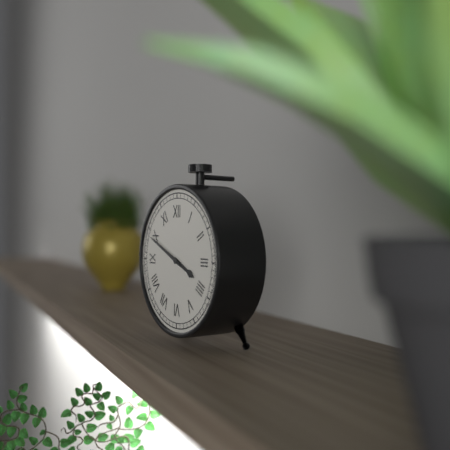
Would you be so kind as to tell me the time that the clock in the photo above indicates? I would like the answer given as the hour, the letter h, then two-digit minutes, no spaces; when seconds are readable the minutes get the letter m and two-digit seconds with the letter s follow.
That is 3h49
